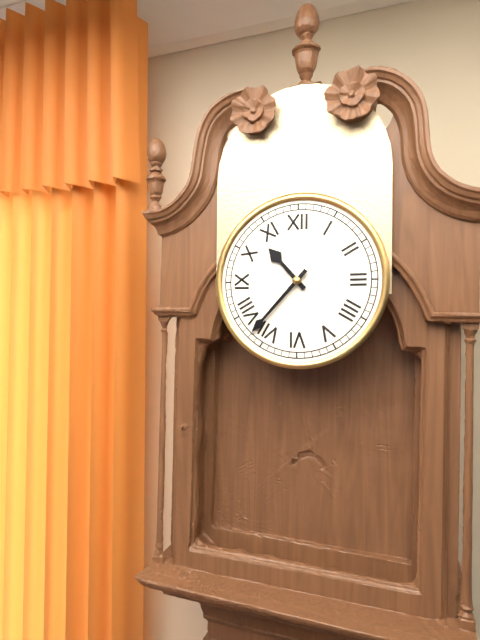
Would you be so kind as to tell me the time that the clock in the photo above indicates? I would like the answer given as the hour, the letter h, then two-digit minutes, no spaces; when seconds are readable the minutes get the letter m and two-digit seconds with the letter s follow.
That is 10h37
